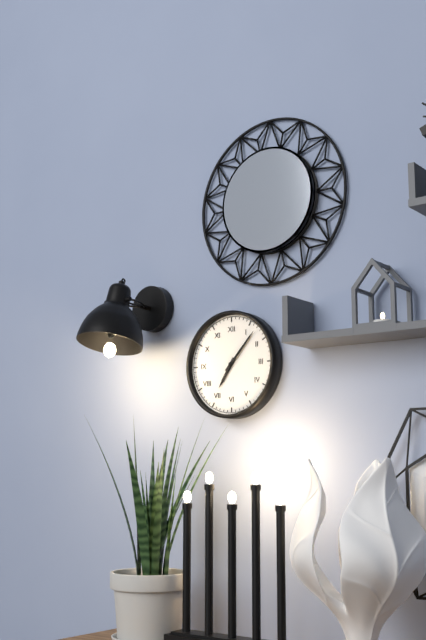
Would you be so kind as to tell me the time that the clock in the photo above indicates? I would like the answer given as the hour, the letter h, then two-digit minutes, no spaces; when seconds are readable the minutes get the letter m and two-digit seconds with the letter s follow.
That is 7h07
